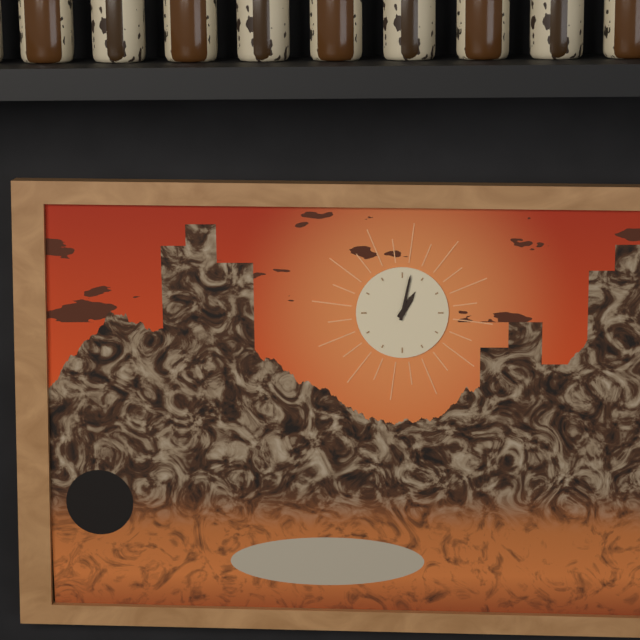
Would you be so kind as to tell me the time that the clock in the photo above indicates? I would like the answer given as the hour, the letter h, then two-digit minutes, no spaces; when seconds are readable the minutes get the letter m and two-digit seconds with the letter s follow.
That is 1h02
